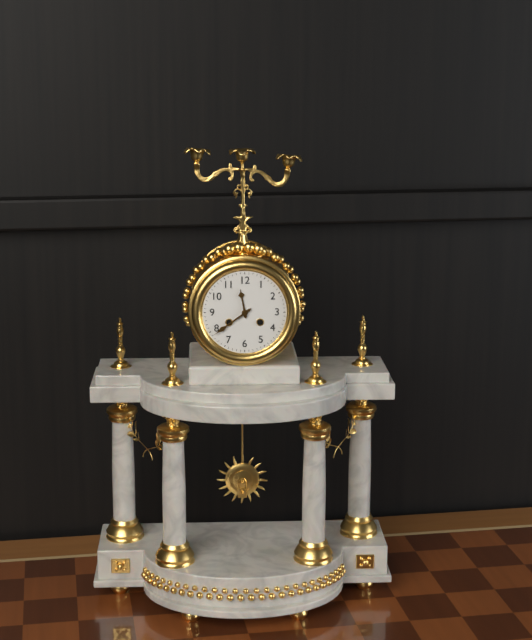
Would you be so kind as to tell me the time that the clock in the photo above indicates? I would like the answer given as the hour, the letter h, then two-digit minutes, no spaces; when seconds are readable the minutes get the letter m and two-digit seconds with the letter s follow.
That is 11h39
